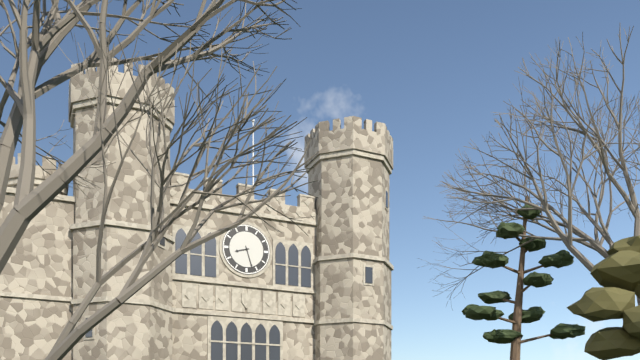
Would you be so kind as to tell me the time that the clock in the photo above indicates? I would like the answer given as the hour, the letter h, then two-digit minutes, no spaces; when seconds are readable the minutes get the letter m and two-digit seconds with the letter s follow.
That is 8h27
